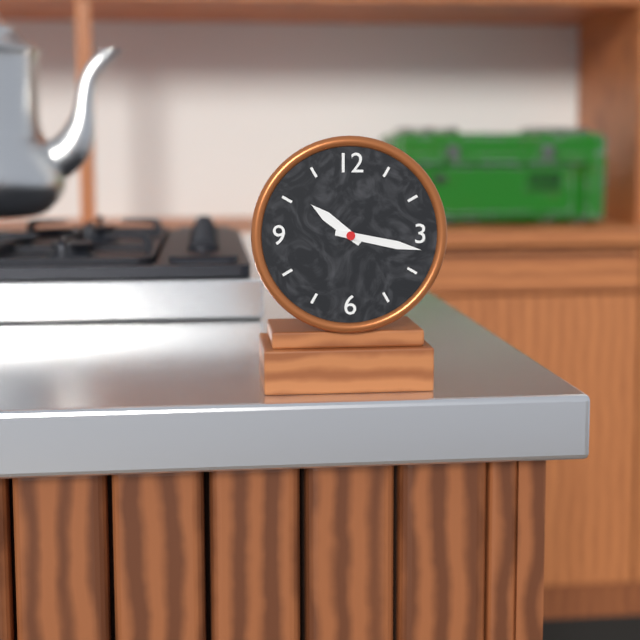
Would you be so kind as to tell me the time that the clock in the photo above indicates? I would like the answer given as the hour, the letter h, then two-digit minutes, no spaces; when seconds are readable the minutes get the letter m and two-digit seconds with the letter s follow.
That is 10h17
